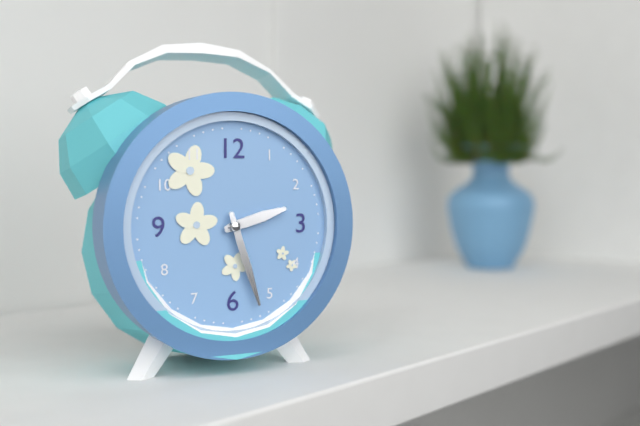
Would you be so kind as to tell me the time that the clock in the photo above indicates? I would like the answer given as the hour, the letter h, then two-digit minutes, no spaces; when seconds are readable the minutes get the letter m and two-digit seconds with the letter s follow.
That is 2h27
